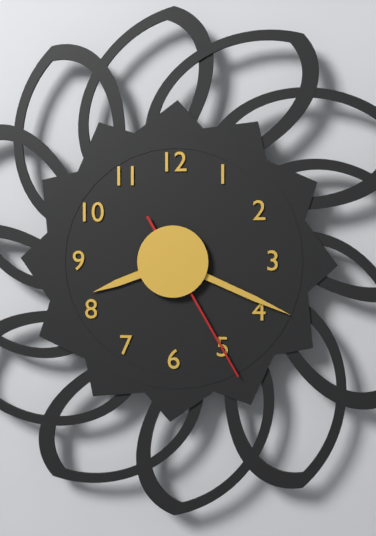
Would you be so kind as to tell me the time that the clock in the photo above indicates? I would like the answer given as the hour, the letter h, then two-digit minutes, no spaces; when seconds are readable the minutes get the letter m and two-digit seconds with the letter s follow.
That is 8h19m25s
